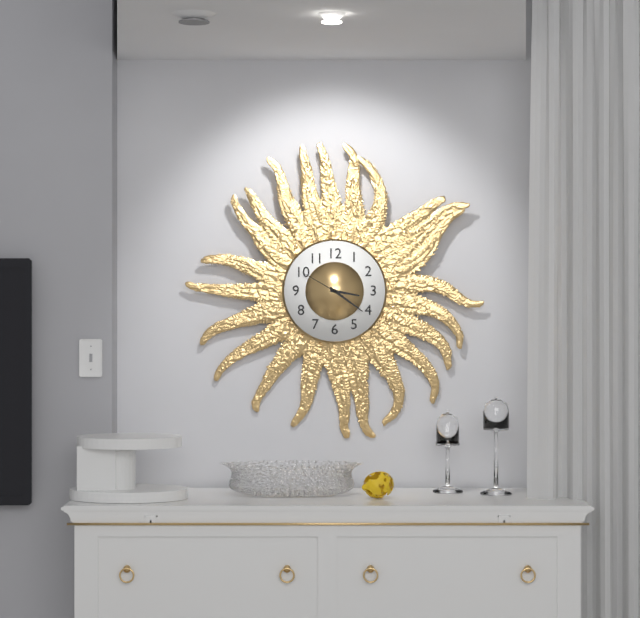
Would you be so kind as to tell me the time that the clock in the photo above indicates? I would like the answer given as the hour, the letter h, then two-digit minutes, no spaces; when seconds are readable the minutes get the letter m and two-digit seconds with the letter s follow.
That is 3h21
